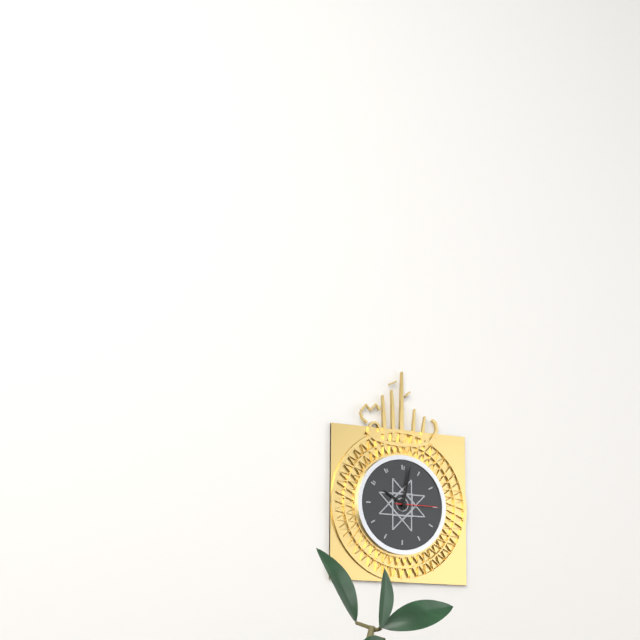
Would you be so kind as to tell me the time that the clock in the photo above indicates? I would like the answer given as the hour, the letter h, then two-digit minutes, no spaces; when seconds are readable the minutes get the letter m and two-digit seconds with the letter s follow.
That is 10h02m15s
